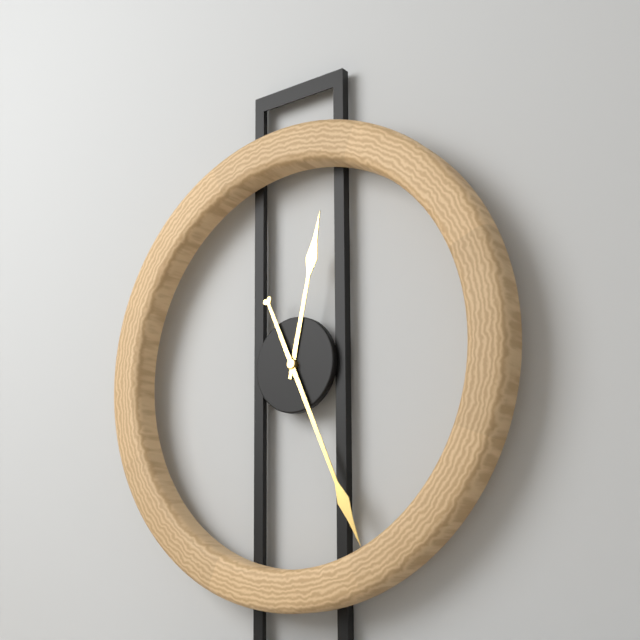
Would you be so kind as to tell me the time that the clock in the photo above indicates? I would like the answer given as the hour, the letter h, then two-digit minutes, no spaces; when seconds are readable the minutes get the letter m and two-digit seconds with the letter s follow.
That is 12h26
